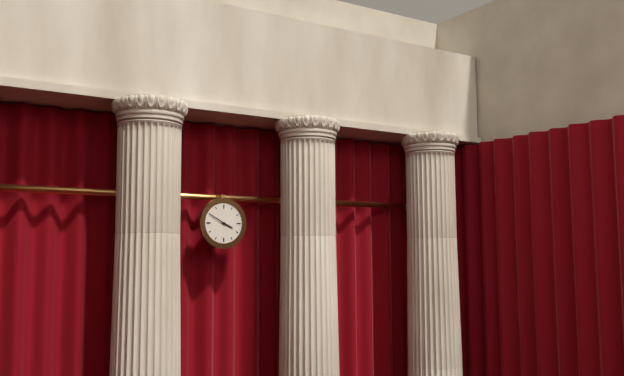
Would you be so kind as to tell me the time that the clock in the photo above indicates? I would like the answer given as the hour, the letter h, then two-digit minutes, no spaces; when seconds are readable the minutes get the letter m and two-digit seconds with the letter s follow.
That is 3h50
